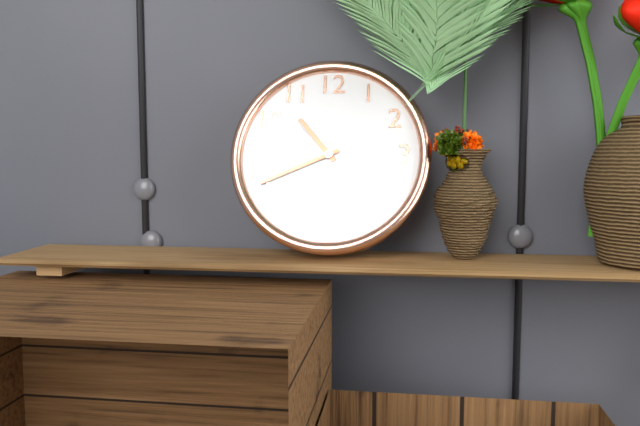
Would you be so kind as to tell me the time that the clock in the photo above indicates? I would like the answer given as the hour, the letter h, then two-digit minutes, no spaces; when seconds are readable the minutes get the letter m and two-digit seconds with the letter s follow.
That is 10h41
